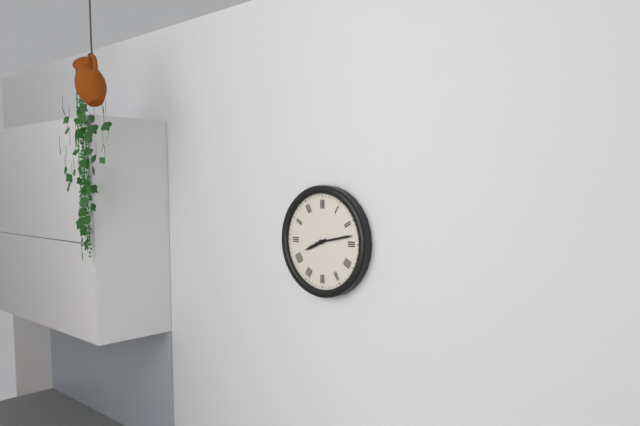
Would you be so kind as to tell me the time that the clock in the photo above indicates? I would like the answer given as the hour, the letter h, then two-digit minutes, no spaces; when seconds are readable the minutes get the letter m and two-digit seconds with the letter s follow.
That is 8h13
